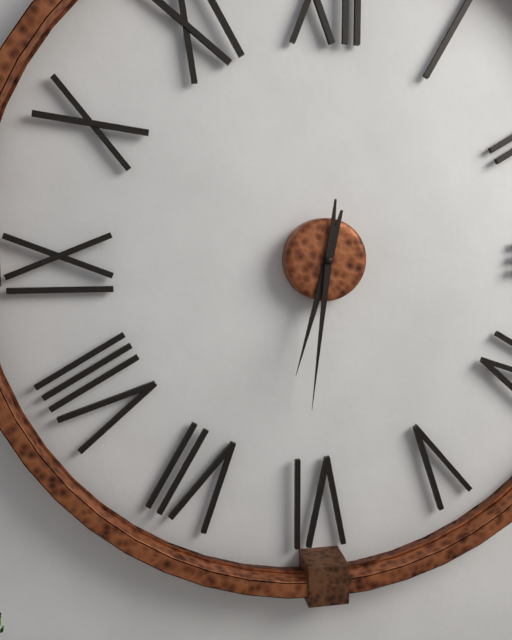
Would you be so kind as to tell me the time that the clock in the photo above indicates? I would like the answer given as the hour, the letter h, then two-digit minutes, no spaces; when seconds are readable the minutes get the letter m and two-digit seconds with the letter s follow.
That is 6h31
